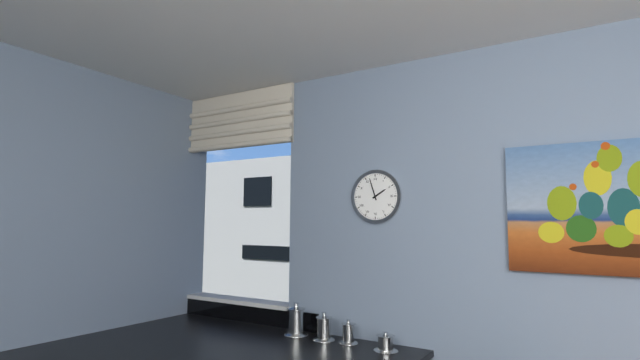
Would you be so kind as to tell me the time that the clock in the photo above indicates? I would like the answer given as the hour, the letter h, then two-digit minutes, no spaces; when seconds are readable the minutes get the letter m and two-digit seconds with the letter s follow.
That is 1h57
